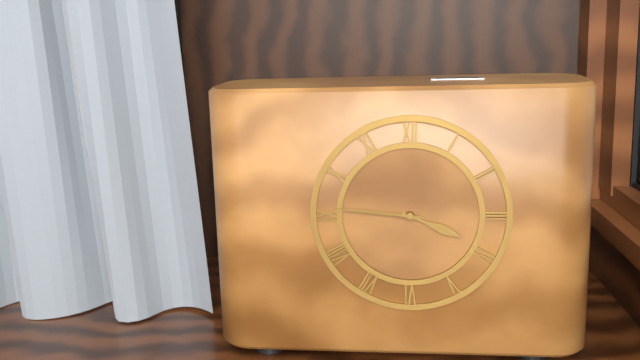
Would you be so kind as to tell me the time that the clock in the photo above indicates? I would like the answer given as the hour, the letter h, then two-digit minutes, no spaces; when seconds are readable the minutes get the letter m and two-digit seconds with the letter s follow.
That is 3h46
